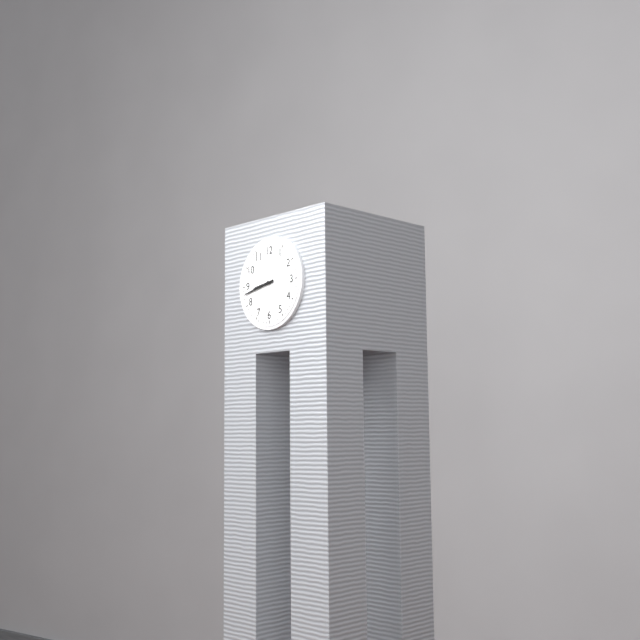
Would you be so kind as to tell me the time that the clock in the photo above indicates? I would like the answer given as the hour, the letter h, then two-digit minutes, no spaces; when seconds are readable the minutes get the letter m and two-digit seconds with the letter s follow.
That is 8h43
